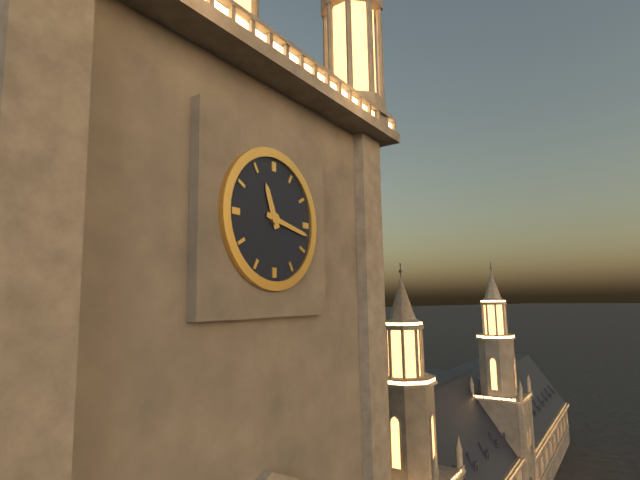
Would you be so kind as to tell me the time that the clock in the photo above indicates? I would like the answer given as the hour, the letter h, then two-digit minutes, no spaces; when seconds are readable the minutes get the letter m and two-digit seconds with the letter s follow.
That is 11h17
